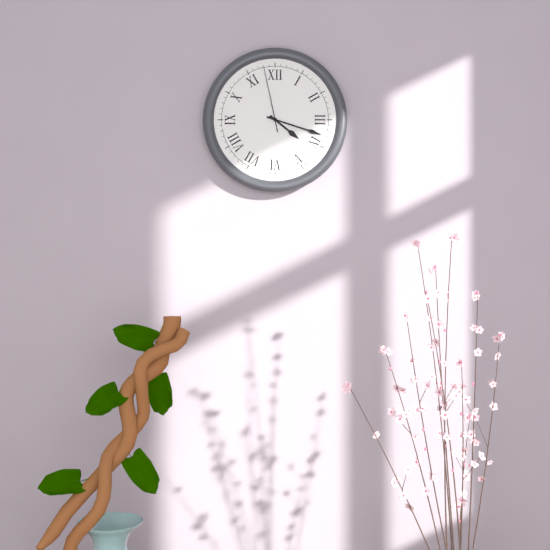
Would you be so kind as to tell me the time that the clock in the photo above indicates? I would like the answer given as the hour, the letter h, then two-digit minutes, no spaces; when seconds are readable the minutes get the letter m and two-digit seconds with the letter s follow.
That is 4h18m58s
